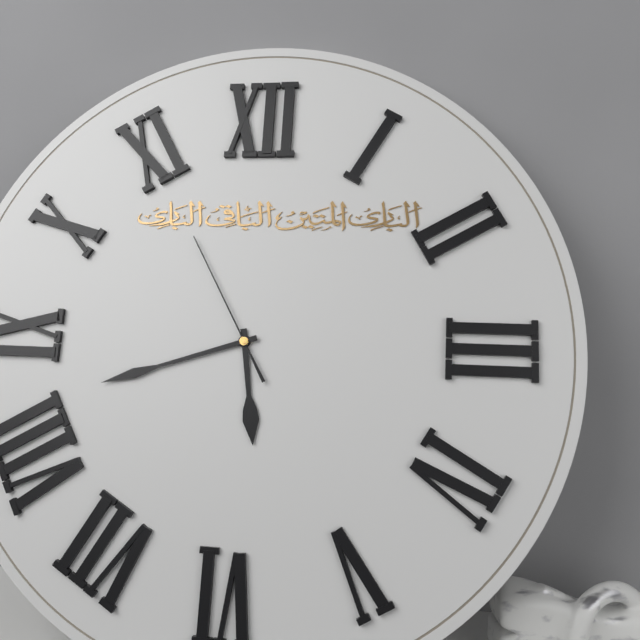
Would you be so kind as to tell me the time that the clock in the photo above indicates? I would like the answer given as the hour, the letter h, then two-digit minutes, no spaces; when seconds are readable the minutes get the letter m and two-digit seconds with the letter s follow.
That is 5h42m55s
